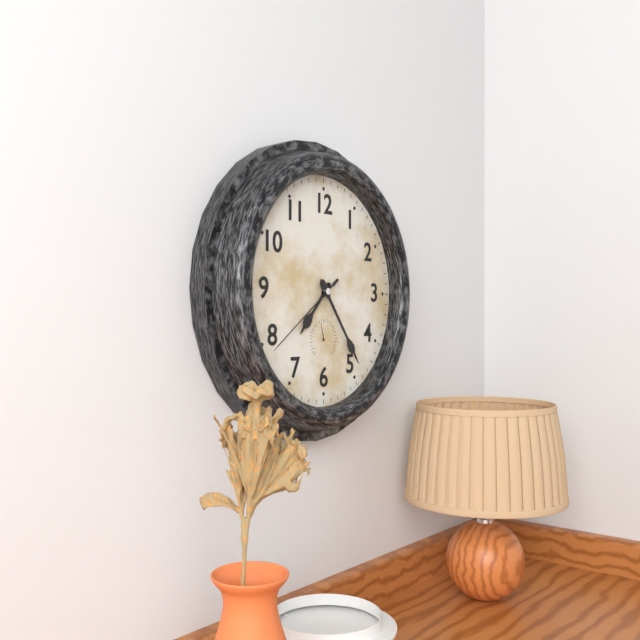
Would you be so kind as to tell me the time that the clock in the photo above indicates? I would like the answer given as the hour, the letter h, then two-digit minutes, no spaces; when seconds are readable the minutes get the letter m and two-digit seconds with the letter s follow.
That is 7h24m39s
